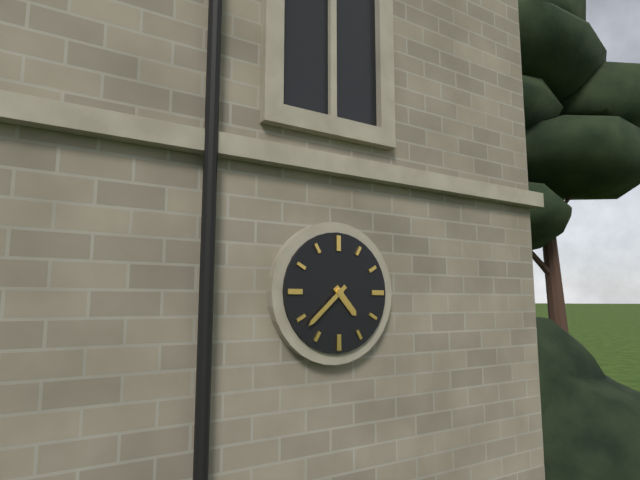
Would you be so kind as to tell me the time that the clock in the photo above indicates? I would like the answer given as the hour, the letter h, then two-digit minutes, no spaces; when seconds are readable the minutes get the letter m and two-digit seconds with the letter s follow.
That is 4h38
